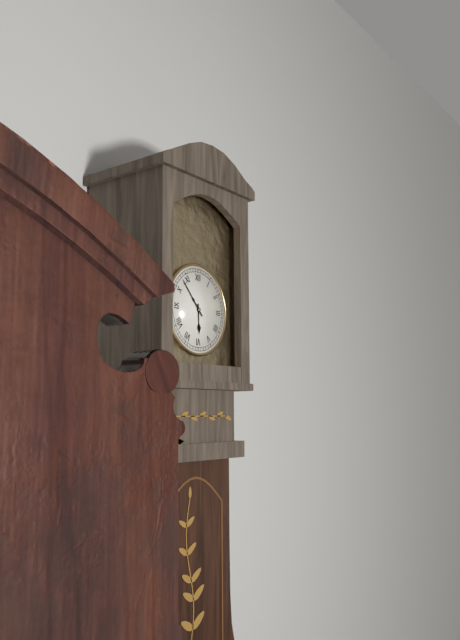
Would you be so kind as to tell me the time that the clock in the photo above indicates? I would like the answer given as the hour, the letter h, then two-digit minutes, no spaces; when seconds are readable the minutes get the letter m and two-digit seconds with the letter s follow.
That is 5h53
